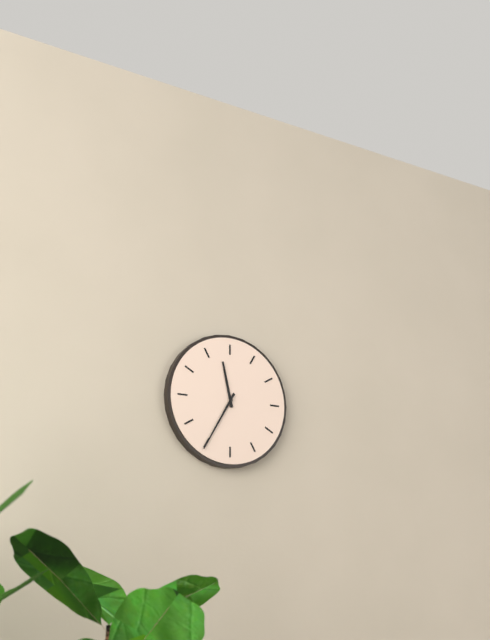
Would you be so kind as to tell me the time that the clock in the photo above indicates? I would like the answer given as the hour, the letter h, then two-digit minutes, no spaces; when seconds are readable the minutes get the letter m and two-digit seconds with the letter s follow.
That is 11h35
